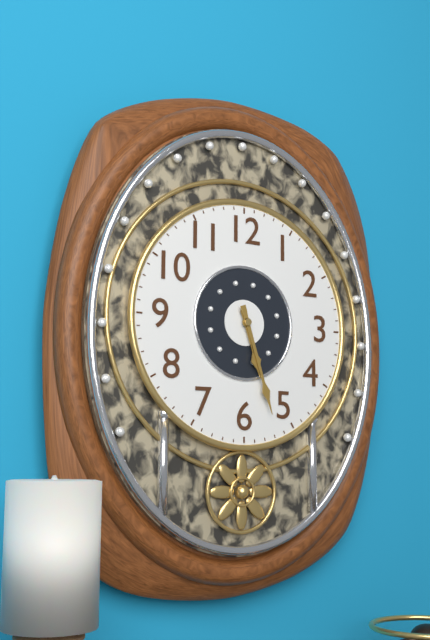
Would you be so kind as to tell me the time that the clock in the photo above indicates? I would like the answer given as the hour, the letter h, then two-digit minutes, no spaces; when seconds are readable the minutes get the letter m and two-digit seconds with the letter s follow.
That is 5h27
